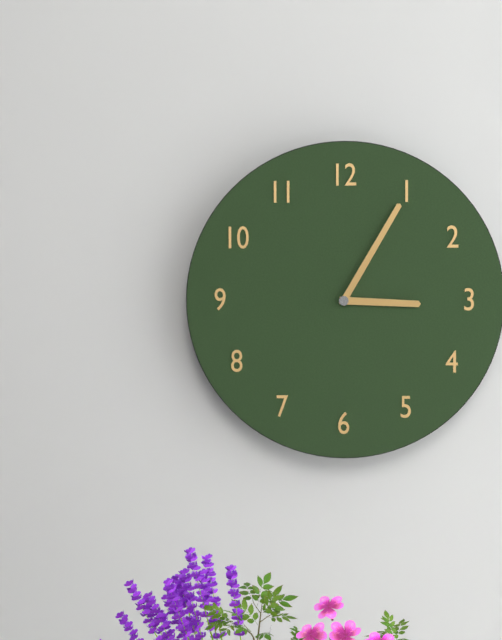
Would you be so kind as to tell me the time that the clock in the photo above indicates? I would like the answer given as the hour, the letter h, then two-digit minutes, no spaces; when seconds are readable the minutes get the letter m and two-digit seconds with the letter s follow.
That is 3h05
